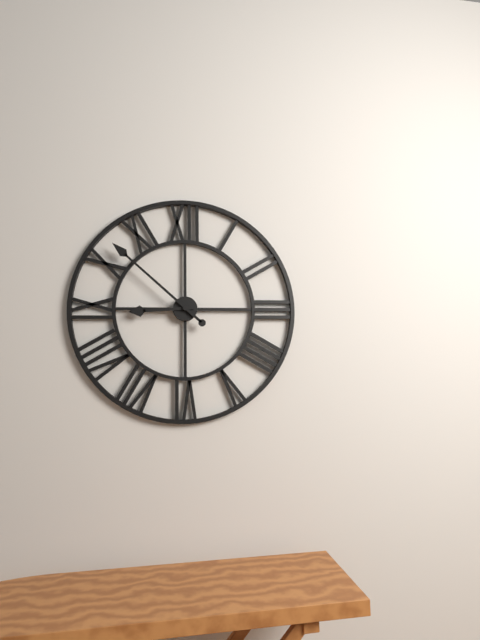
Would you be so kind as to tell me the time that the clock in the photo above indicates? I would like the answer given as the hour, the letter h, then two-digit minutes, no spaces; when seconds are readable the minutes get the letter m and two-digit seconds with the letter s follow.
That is 8h52
